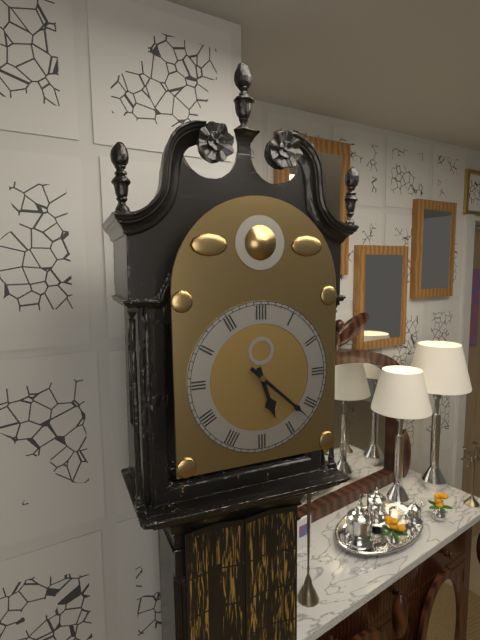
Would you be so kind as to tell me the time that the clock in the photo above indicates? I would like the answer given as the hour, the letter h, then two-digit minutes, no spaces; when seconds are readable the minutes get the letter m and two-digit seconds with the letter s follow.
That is 5h22
